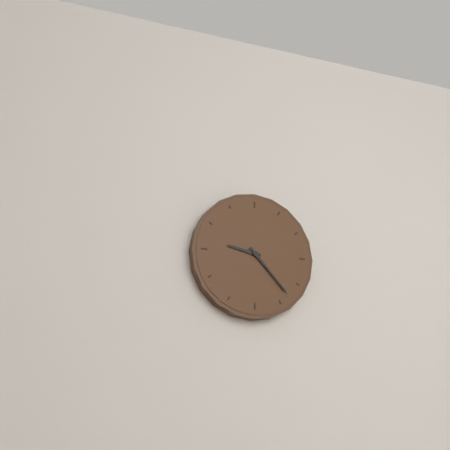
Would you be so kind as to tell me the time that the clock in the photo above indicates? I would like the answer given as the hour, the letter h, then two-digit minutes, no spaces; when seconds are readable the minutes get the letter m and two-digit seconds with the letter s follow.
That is 9h23
